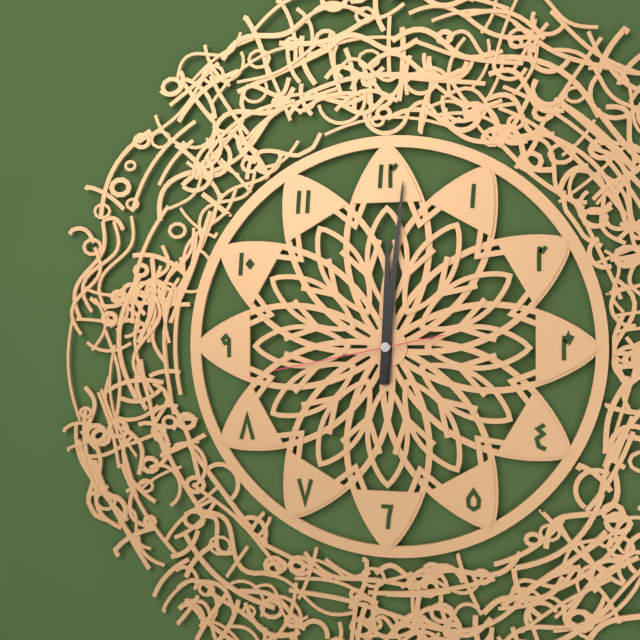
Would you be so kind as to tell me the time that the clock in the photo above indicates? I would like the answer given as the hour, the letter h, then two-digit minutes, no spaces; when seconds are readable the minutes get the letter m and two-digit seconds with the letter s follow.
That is 12h01m43s
